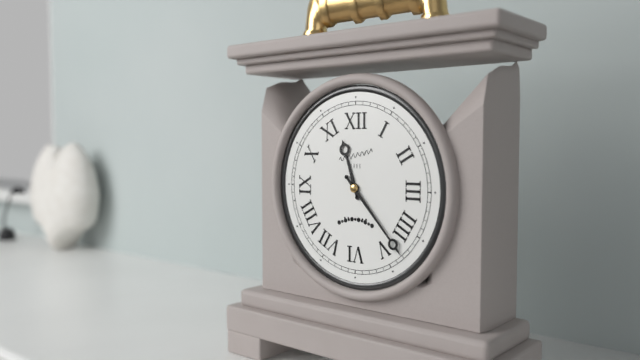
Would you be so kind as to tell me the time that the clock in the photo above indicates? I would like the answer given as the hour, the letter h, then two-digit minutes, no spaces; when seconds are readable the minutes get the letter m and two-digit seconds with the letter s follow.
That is 11h23
